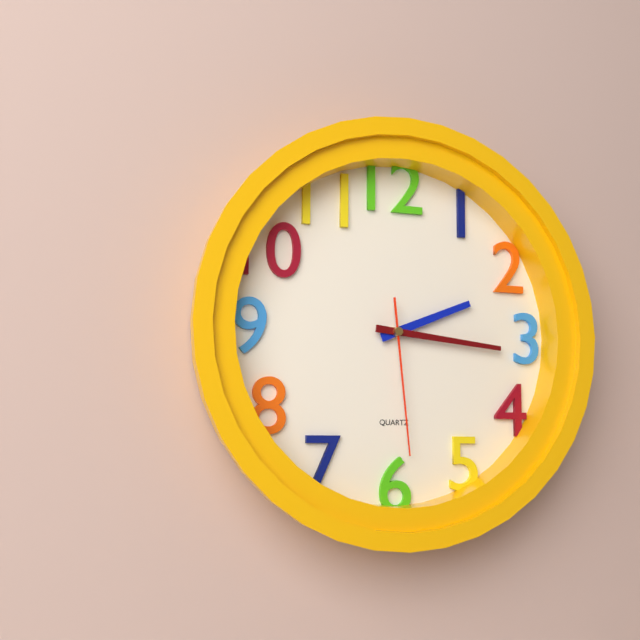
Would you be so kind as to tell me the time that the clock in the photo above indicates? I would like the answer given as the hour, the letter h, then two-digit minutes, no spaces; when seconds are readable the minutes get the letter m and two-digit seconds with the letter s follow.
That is 2h16m29s
